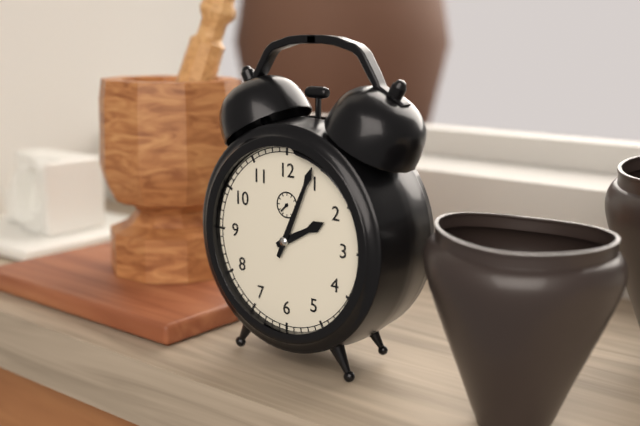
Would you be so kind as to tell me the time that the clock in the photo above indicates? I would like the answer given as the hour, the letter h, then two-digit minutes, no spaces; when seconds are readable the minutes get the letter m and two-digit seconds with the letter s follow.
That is 2h04
